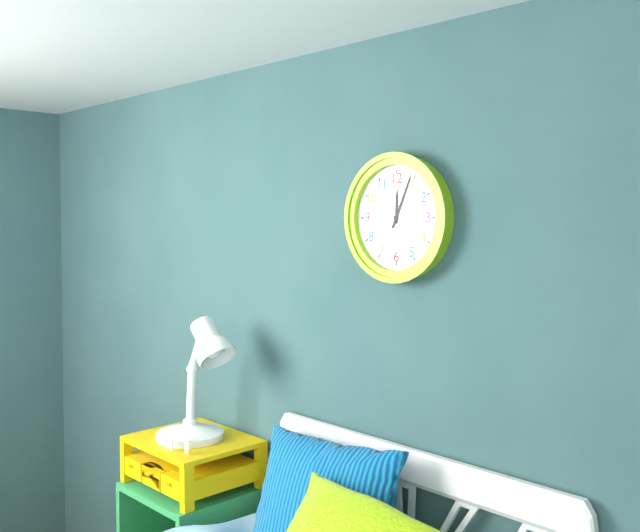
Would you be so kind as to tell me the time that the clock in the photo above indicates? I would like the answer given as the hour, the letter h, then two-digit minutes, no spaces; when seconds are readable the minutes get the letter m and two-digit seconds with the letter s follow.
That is 12h04
